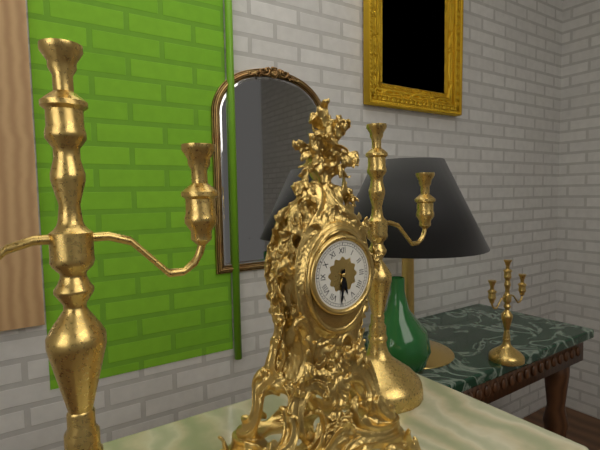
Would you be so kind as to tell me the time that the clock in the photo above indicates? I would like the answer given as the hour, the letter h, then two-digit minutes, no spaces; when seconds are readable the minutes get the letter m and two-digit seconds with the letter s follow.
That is 5h31
